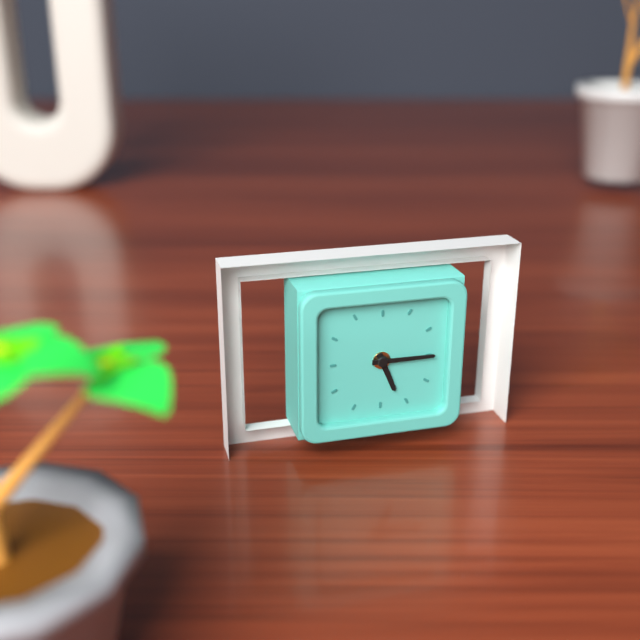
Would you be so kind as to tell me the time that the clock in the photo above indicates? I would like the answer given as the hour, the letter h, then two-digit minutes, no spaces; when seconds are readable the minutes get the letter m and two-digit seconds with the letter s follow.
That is 5h15
